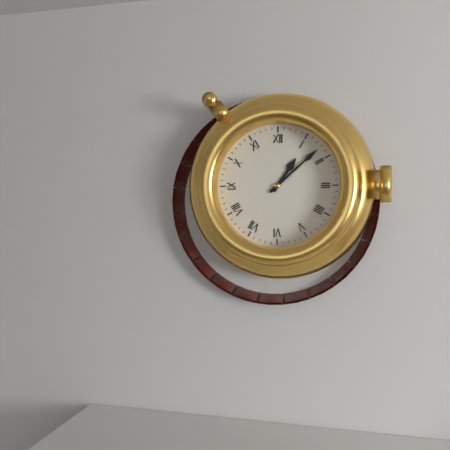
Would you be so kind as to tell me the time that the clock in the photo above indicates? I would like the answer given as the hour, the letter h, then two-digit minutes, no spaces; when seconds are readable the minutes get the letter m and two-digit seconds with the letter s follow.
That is 1h08
